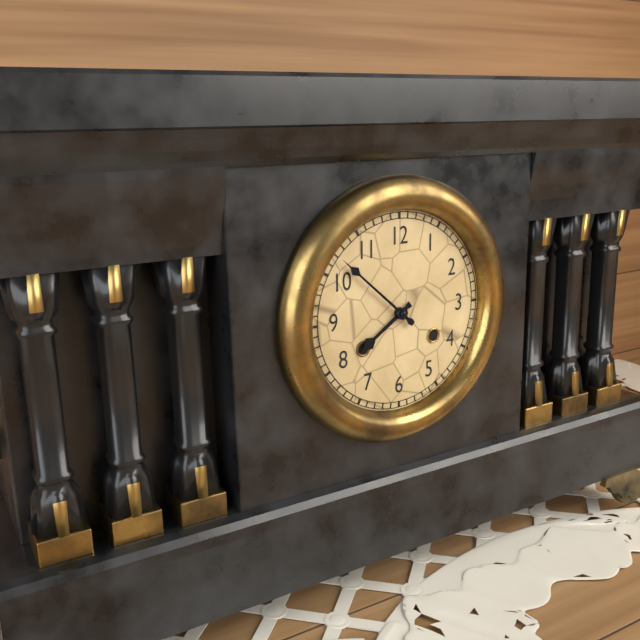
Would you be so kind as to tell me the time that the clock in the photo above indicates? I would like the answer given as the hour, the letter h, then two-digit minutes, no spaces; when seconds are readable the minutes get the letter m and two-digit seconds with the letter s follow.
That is 7h52
